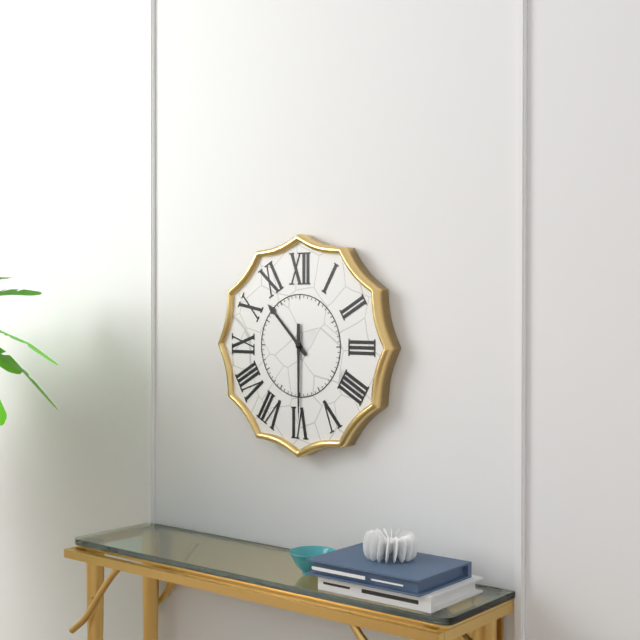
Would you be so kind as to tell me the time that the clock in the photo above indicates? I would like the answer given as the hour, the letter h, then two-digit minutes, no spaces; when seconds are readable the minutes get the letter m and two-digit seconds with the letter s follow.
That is 10h30
